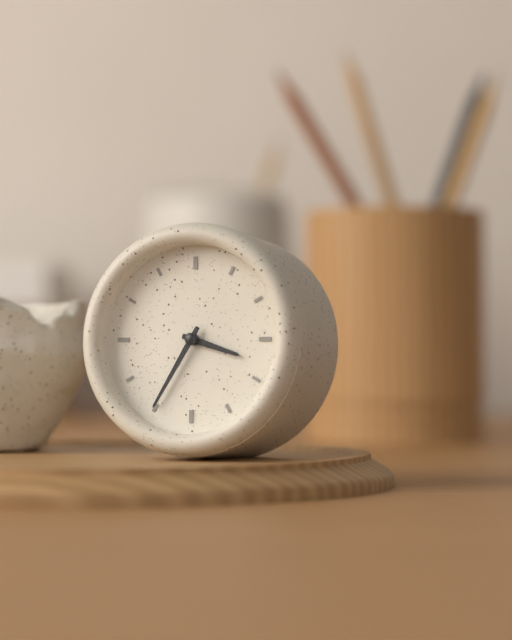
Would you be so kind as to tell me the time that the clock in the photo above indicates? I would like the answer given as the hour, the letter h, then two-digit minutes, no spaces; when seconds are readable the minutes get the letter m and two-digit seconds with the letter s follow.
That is 3h35
